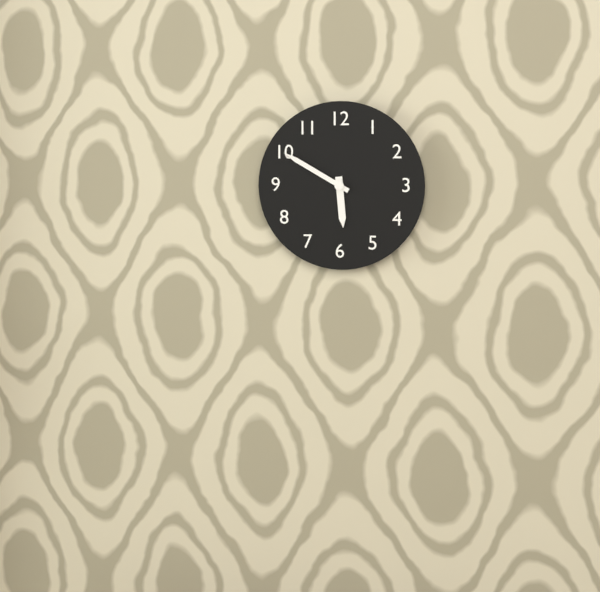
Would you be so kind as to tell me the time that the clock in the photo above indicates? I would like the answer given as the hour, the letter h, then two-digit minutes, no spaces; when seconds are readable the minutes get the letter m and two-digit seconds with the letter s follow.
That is 5h50
